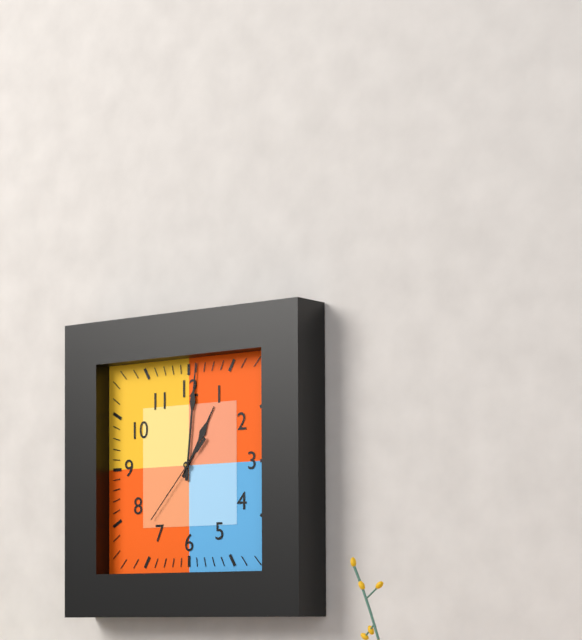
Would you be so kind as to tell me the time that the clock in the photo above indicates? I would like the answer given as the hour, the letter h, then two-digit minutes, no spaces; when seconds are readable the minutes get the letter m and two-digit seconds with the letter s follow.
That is 1h01m37s
